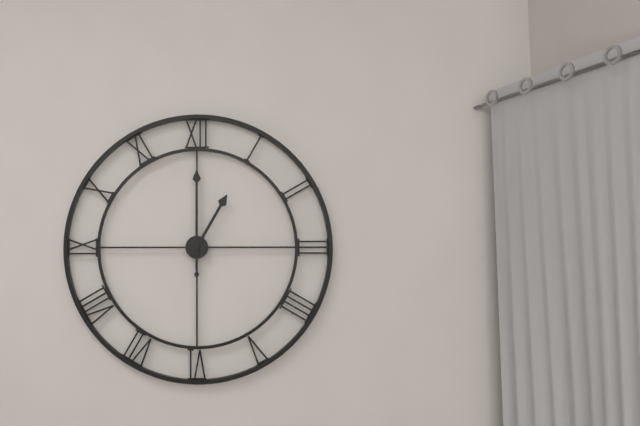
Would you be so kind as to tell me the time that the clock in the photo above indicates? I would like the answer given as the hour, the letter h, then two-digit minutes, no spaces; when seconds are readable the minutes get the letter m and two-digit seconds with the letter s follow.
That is 1h00
